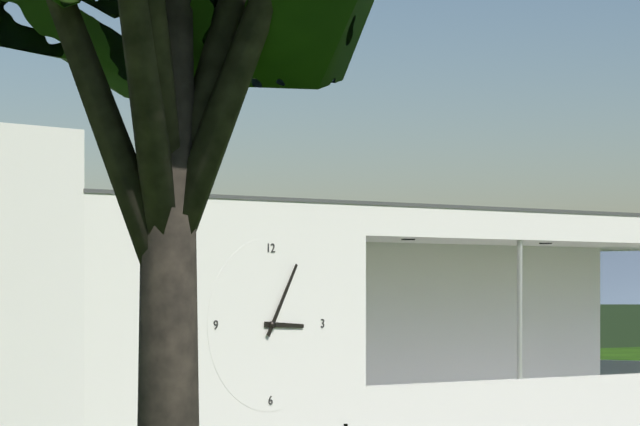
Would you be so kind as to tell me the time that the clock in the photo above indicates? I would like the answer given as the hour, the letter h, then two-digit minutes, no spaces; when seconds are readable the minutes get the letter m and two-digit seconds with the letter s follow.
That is 3h05
